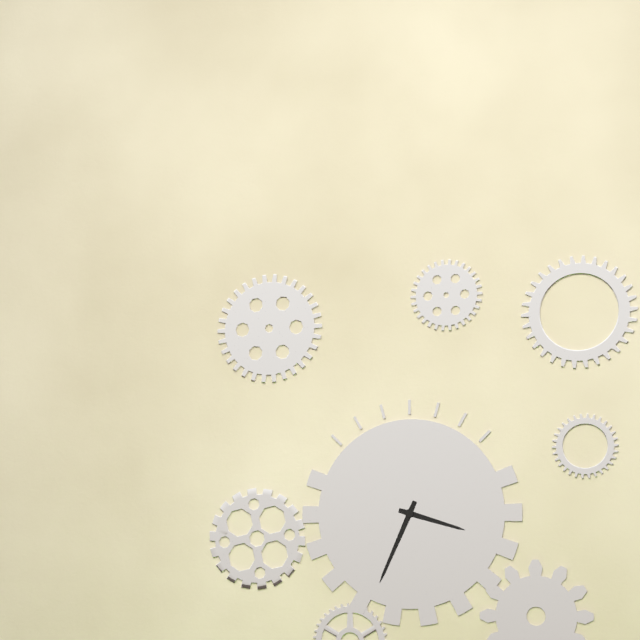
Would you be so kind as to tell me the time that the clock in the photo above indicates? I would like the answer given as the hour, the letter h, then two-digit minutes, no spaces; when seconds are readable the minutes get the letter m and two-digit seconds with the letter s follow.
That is 3h34
